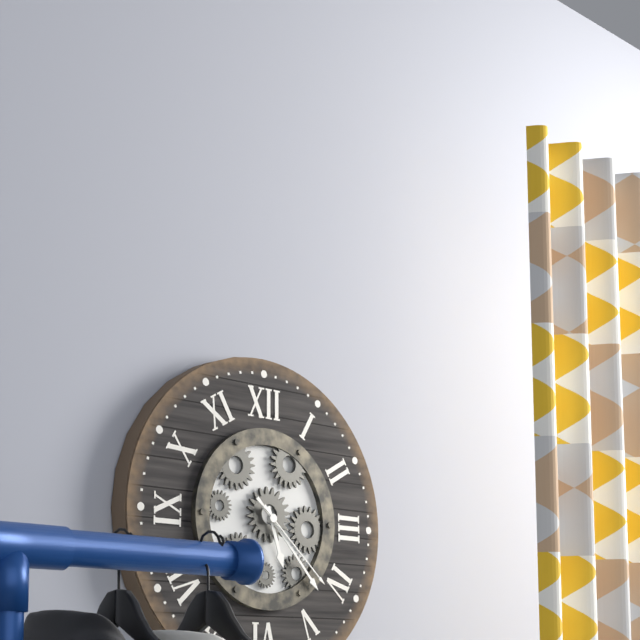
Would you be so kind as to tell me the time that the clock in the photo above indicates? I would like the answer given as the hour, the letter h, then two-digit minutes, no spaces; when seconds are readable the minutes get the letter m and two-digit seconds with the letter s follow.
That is 5h23m22s
